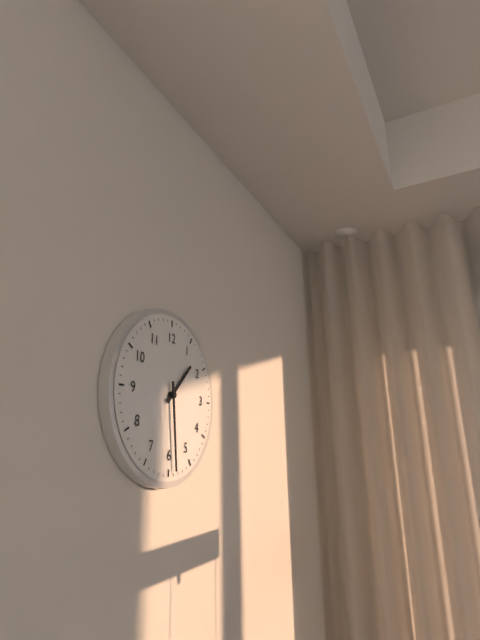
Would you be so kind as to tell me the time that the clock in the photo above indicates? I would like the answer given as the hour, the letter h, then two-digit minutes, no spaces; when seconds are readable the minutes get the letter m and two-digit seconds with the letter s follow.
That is 1h29
